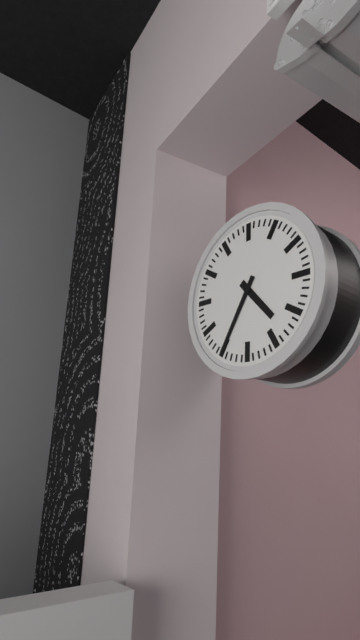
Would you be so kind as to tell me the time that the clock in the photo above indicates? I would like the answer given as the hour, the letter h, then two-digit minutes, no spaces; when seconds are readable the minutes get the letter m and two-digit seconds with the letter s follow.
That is 4h35
